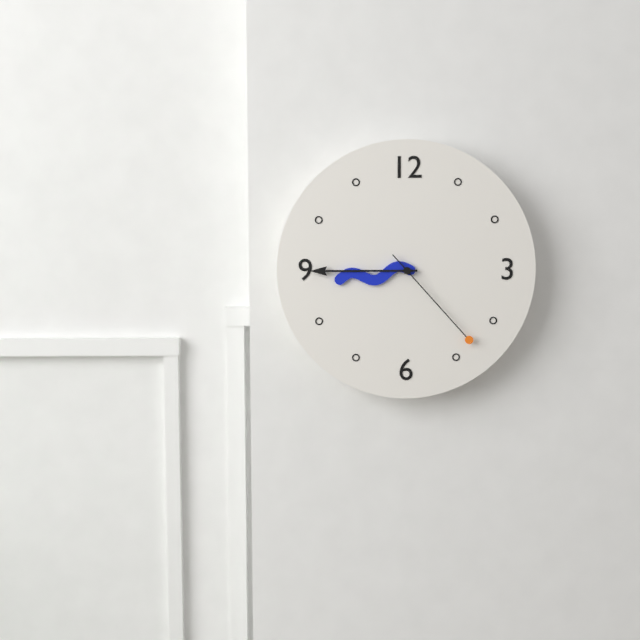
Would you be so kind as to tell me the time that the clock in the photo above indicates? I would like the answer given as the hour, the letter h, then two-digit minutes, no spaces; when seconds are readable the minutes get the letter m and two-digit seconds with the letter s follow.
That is 8h45m23s
